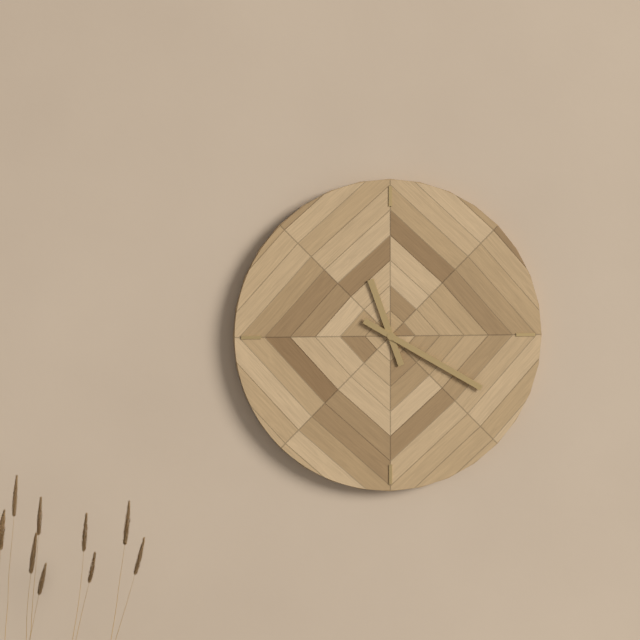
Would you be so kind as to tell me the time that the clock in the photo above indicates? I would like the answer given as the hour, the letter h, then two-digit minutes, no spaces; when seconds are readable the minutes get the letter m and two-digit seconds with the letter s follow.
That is 11h20
